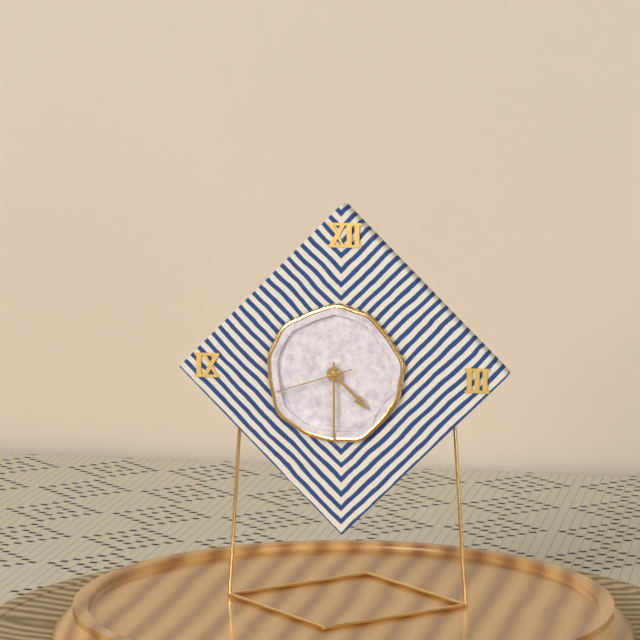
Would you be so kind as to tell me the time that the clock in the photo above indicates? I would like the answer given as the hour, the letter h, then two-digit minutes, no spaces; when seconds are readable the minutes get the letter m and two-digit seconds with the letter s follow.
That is 4h30m42s
